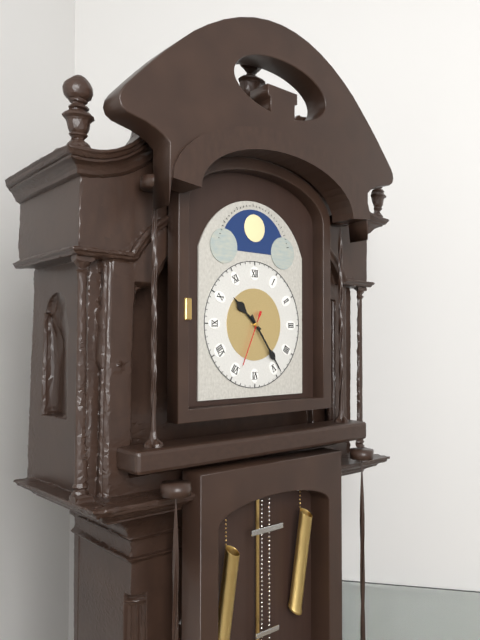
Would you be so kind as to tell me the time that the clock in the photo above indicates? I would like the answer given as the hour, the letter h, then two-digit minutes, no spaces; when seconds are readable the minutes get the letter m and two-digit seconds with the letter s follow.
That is 10h24m34s
